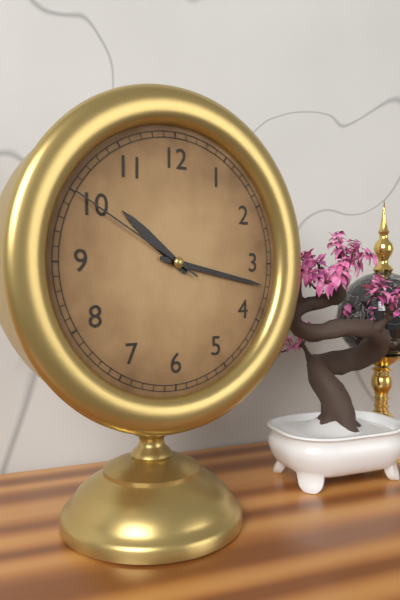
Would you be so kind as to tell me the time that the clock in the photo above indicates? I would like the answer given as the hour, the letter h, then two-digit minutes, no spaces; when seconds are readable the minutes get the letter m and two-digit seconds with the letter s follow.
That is 10h17m50s
